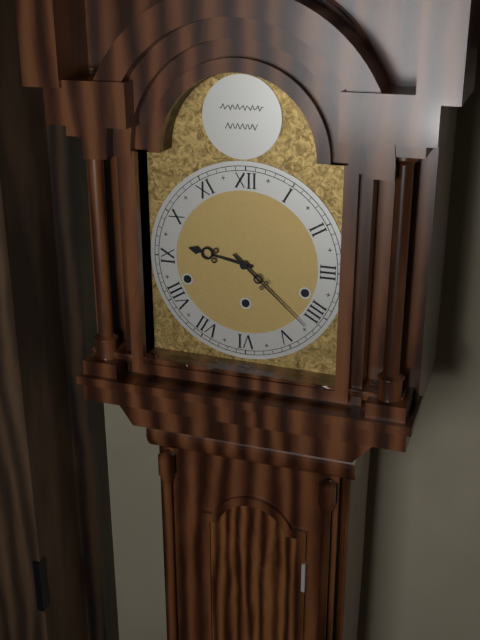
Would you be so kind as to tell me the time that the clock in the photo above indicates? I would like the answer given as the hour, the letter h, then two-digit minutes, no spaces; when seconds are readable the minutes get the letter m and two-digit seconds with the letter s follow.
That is 9h22
